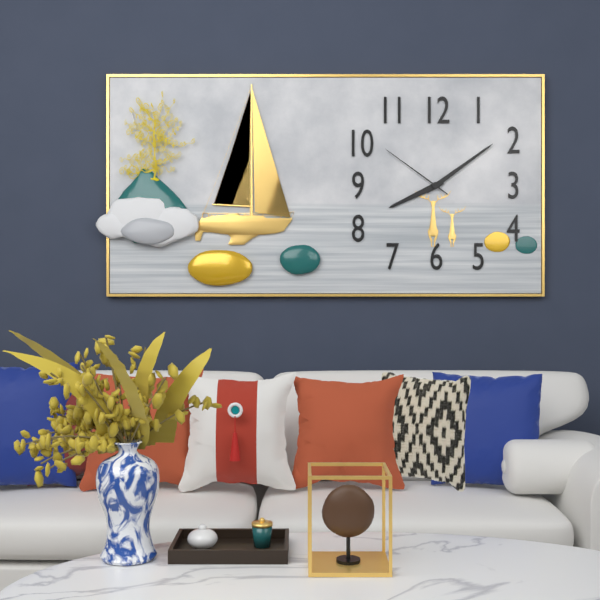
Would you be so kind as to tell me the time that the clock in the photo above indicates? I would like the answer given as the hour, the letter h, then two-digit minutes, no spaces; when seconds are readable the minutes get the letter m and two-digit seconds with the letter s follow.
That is 8h09m51s
